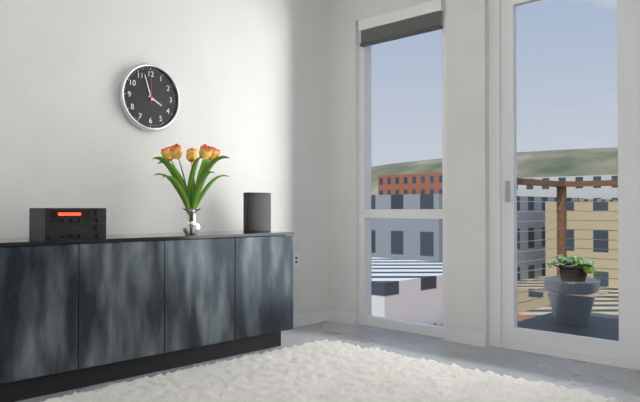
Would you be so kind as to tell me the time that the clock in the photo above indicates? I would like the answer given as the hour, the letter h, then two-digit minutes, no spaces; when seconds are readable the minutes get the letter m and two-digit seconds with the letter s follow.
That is 3h57
